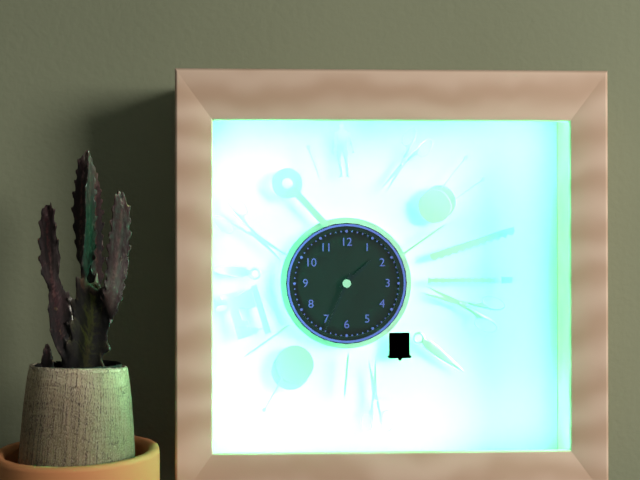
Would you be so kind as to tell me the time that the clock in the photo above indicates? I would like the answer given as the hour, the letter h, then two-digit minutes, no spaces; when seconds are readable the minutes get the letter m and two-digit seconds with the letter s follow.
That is 1h34
